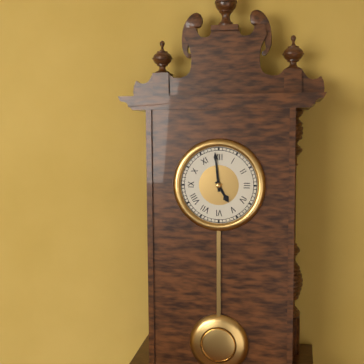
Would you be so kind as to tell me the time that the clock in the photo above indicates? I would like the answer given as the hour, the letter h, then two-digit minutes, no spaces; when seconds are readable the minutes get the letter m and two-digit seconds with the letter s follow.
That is 4h59
